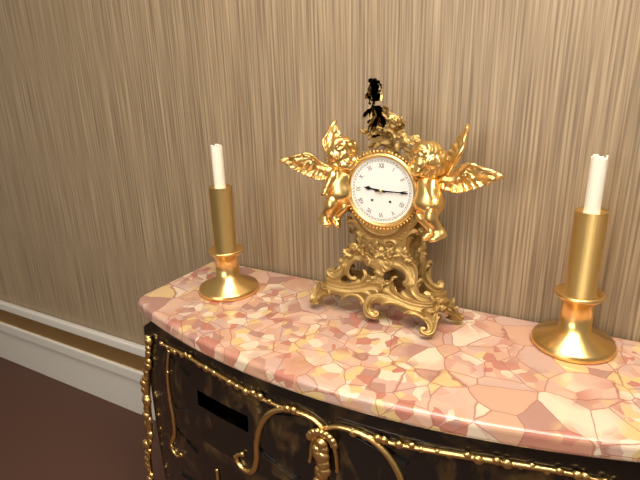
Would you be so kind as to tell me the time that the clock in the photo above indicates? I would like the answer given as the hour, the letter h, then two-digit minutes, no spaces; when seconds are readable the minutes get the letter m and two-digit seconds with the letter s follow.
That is 9h15
